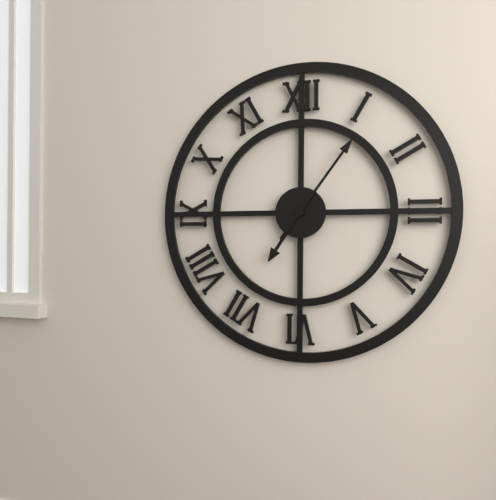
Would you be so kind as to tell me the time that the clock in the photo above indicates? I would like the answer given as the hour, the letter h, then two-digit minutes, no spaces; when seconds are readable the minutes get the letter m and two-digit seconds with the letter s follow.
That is 7h06
